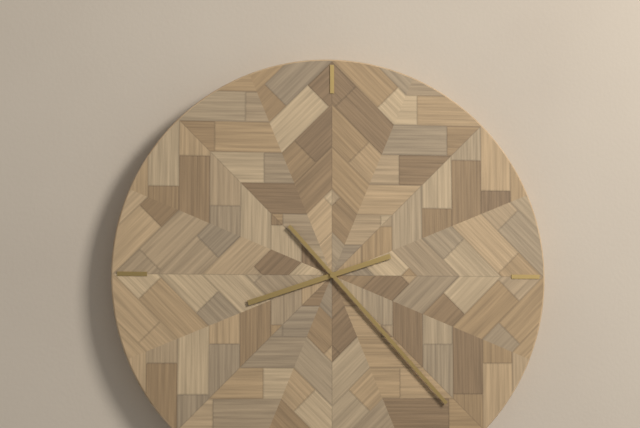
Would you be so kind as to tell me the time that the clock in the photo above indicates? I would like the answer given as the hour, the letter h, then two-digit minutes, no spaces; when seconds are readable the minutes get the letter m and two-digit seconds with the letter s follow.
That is 8h23
